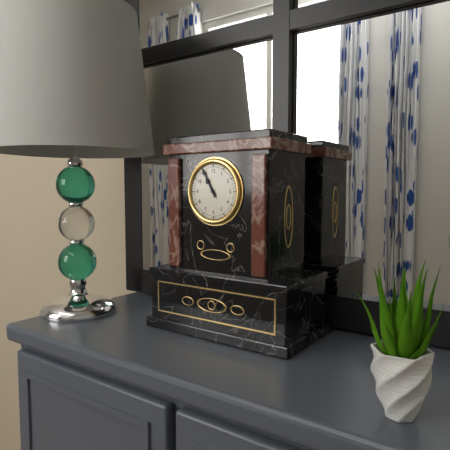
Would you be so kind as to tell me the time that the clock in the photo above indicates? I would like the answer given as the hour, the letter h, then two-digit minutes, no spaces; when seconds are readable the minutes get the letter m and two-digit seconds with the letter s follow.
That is 10h55
